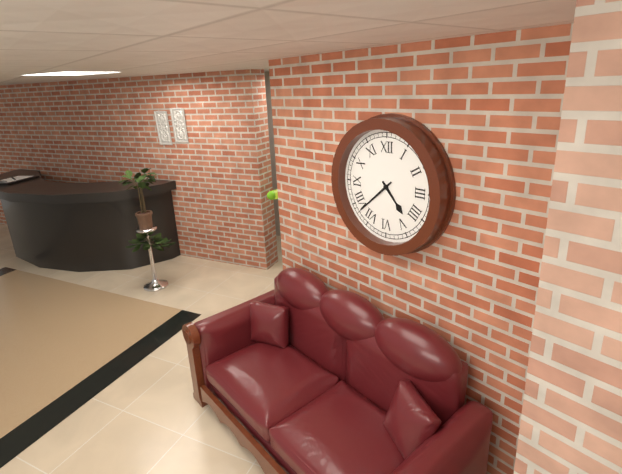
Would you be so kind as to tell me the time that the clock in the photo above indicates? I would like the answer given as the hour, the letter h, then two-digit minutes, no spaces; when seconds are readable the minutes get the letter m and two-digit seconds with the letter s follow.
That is 4h38
